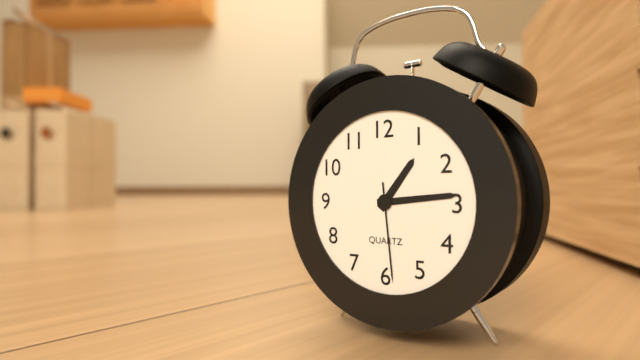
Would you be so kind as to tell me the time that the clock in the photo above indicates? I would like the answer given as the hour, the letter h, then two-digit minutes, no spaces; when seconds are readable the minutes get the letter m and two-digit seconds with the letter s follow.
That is 1h14m29s
